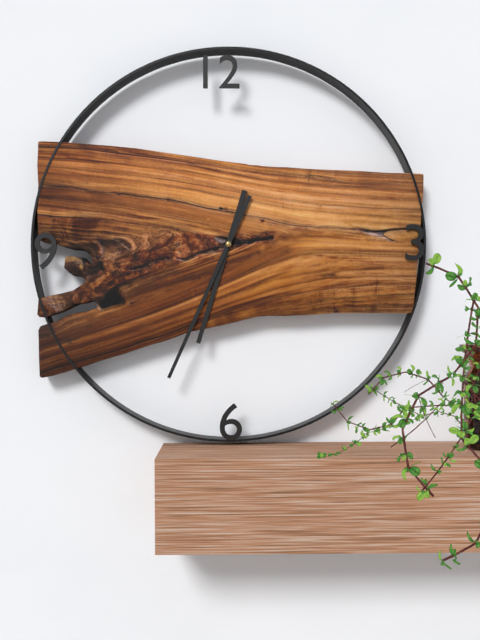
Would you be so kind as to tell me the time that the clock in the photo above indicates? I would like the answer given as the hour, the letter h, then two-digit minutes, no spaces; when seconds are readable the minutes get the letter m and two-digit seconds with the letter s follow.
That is 6h34
